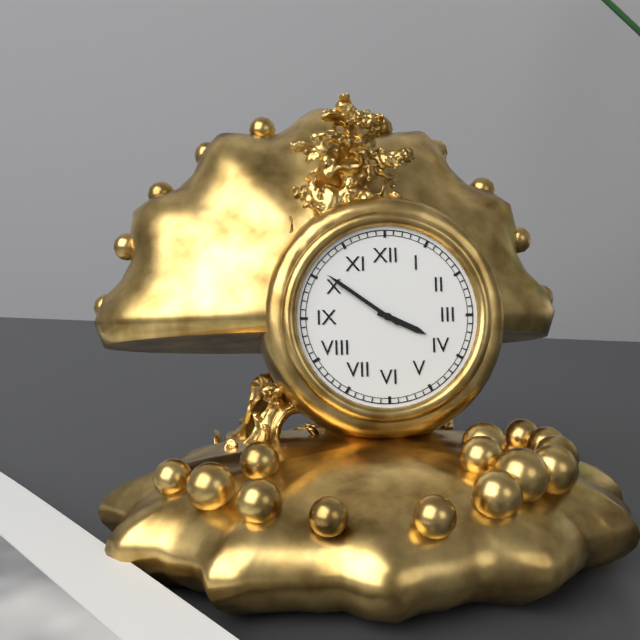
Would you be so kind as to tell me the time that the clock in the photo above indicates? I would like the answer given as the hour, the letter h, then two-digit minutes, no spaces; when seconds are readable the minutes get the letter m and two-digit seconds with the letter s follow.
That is 3h51
